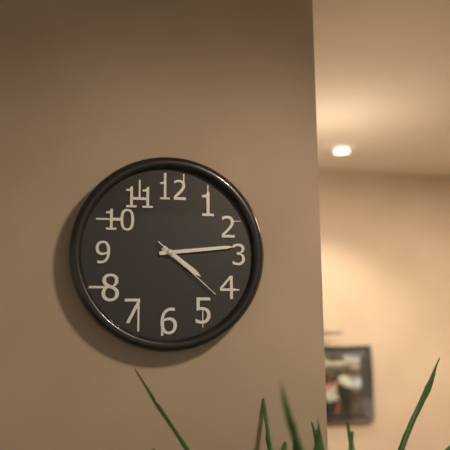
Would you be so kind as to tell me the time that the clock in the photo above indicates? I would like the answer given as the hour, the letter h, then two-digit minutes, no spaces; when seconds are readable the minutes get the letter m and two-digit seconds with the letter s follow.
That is 4h14m22s
